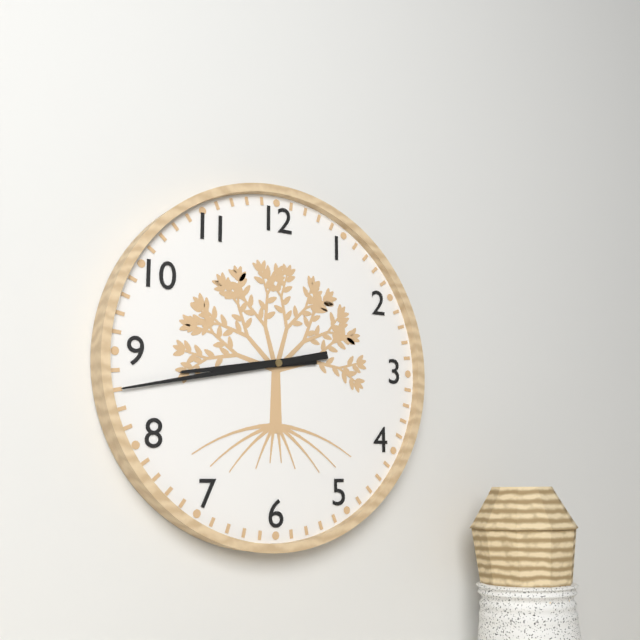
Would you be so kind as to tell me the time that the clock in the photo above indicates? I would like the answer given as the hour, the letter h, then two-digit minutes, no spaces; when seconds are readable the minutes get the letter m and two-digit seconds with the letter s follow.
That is 8h43
